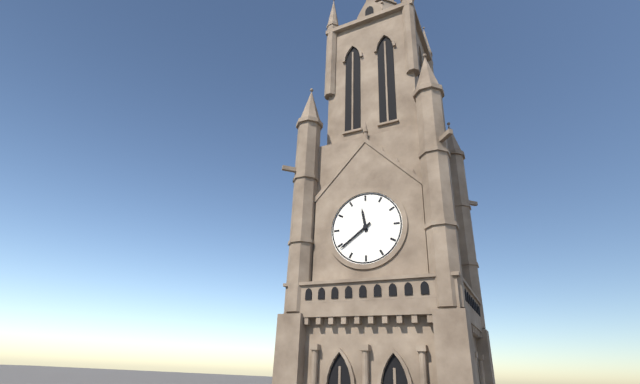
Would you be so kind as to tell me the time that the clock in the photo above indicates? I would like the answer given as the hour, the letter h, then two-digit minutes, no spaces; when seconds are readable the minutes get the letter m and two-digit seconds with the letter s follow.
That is 11h39
